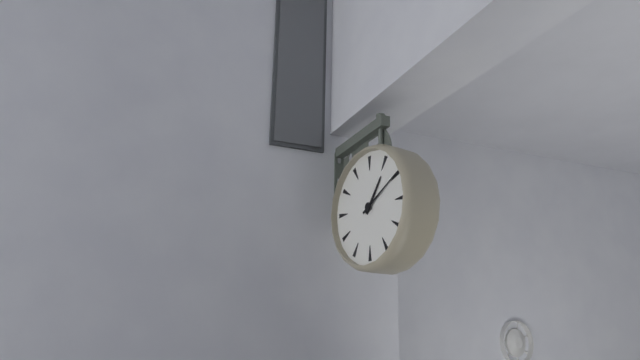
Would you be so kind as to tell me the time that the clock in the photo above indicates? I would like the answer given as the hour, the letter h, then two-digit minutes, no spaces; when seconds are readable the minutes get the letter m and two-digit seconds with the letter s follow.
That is 1h10
